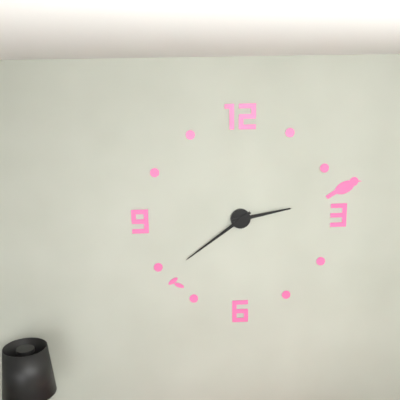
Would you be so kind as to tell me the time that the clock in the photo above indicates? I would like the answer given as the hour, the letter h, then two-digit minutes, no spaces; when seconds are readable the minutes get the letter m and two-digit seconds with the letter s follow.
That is 2h39
